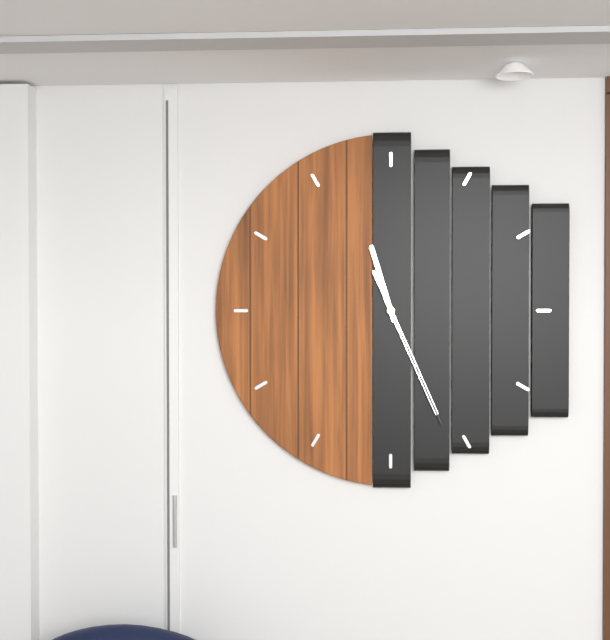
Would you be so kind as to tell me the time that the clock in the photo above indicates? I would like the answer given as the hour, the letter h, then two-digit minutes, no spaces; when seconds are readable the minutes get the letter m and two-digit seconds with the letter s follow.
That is 11h26m26s
